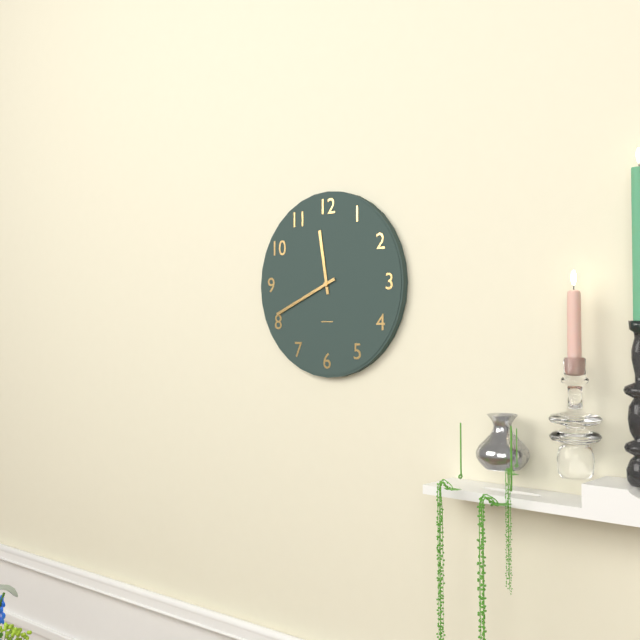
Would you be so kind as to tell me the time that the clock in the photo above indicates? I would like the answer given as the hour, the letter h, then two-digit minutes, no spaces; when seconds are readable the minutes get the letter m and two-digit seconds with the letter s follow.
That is 11h41
